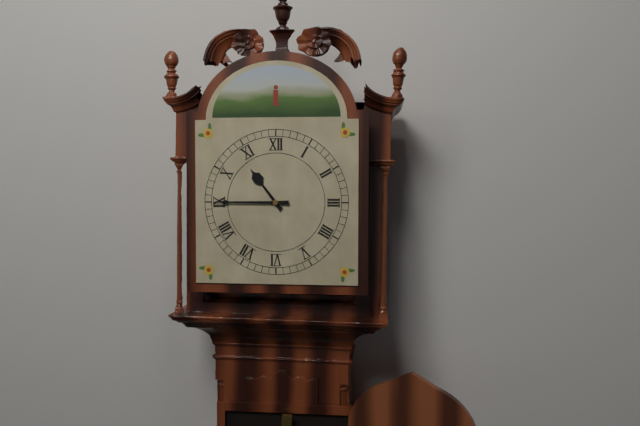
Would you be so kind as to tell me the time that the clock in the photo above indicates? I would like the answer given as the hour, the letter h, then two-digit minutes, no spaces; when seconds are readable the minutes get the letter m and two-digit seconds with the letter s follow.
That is 10h45
